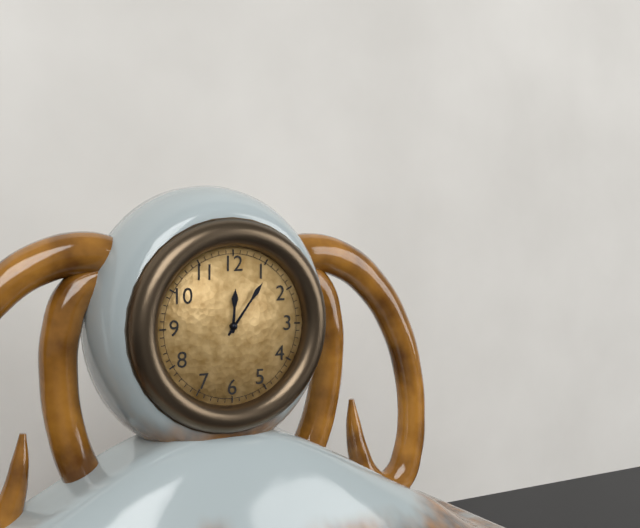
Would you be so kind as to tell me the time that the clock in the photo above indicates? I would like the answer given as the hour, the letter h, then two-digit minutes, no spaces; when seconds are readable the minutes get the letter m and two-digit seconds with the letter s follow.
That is 12h06
